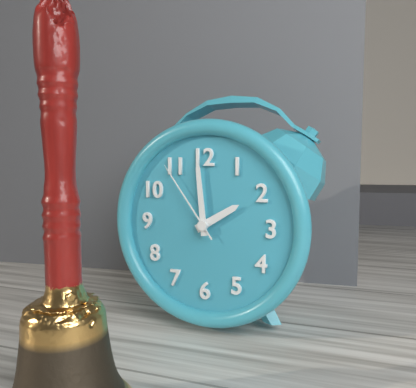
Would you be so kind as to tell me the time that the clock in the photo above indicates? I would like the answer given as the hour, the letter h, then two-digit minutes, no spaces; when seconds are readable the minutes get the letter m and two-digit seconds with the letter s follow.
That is 1h59m54s
